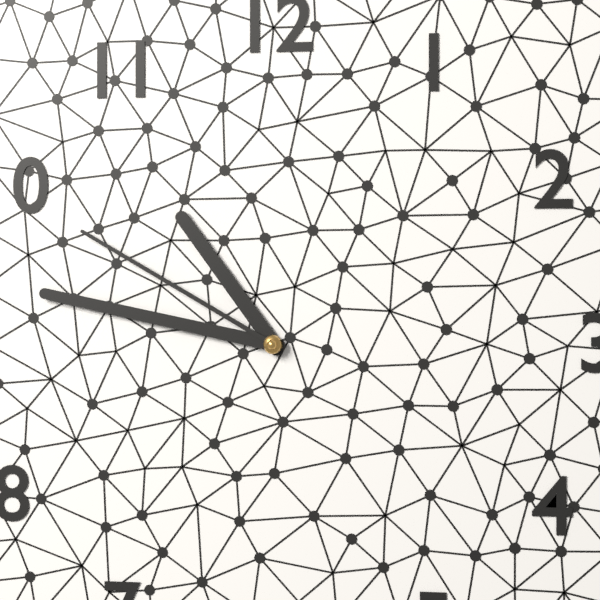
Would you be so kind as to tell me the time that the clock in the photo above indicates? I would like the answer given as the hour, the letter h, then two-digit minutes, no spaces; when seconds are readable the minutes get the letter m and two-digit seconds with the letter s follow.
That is 10h47m50s
